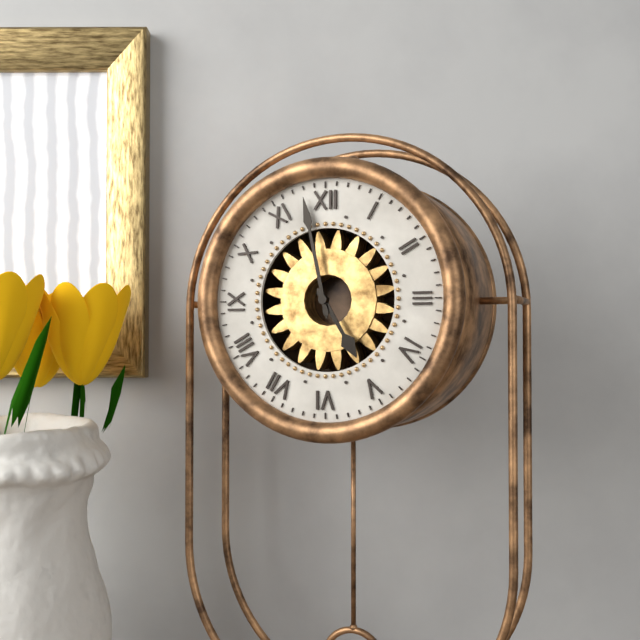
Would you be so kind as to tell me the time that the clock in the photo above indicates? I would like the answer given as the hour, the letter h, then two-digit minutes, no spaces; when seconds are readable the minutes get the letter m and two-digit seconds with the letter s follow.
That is 4h58
